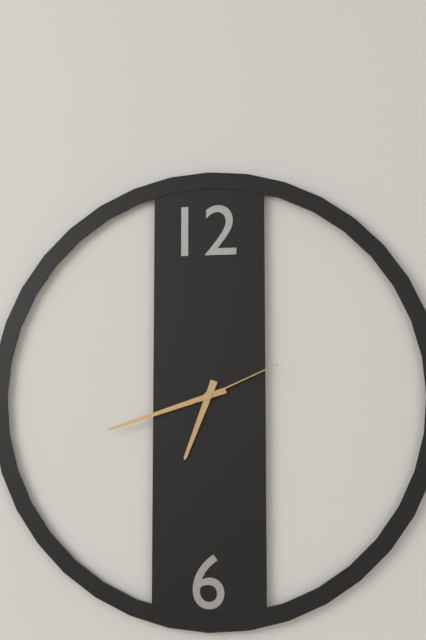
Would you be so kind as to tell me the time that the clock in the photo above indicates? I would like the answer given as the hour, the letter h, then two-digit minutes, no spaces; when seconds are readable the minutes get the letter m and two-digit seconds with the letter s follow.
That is 6h42m11s
